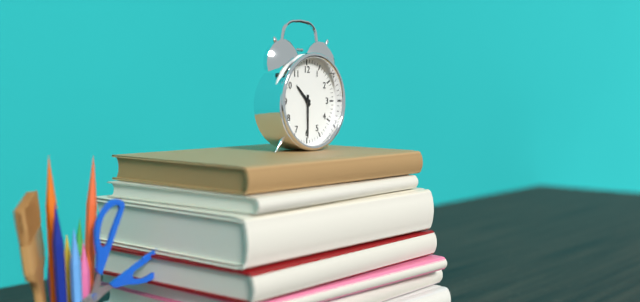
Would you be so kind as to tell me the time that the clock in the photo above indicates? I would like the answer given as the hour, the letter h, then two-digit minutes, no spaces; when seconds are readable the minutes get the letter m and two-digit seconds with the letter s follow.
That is 10h30
